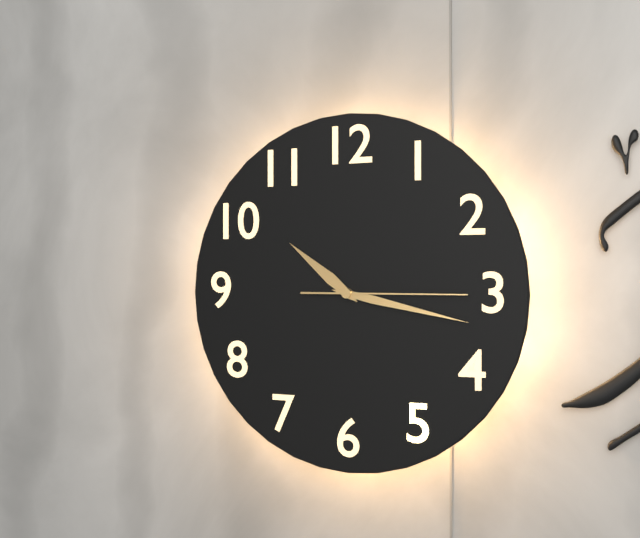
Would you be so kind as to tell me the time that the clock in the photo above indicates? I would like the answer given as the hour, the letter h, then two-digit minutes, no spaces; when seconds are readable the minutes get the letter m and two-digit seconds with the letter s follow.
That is 10h17m15s
